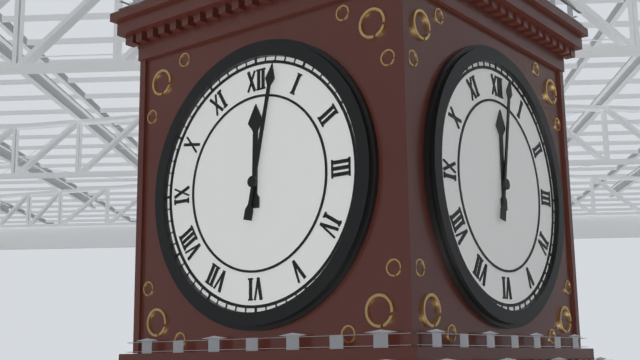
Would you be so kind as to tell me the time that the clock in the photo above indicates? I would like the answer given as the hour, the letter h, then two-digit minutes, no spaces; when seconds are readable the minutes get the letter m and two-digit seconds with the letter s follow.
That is 12h02
